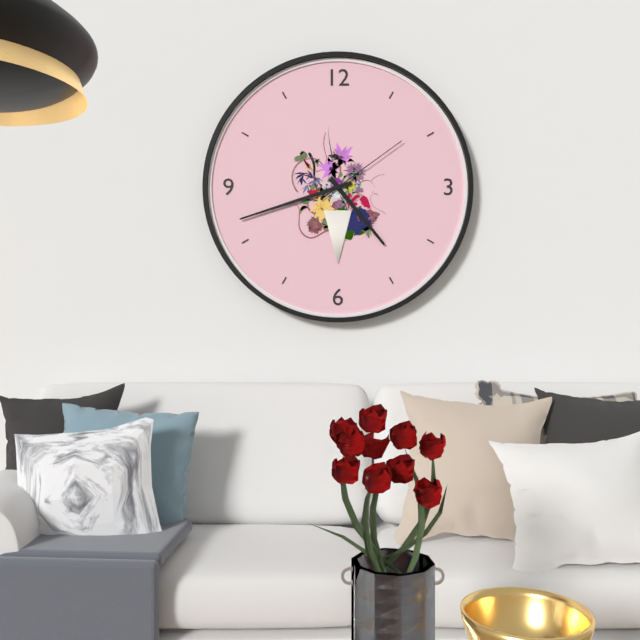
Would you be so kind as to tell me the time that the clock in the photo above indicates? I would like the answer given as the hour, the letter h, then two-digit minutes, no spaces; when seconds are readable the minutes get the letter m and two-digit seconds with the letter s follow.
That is 4h42m09s
